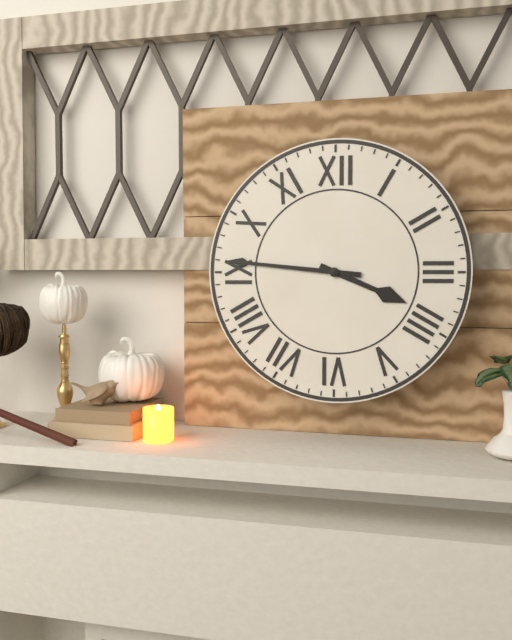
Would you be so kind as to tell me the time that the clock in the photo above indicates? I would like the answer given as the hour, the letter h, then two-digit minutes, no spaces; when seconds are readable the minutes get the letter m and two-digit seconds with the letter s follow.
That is 3h46
